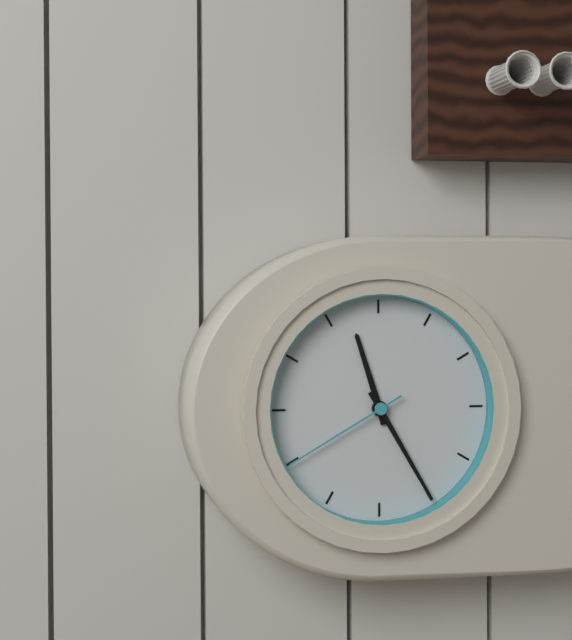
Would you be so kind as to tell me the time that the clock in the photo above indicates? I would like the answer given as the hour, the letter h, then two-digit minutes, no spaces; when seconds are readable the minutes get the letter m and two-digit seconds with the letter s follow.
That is 11h25m40s
